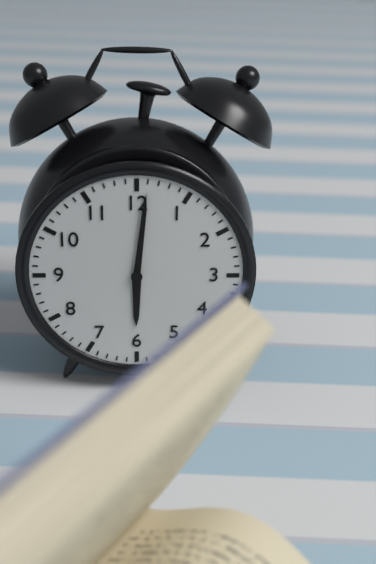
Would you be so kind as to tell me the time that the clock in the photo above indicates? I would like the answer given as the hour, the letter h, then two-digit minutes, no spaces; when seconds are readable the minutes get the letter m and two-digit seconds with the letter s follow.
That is 6h01
